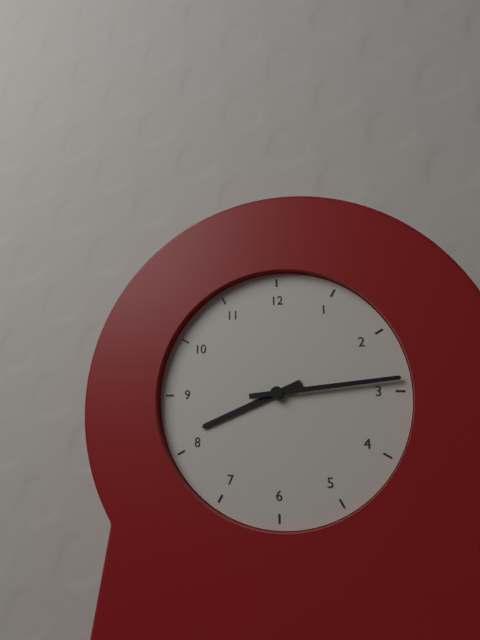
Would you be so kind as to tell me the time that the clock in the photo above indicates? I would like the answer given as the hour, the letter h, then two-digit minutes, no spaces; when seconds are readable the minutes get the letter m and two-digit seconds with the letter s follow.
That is 8h14
